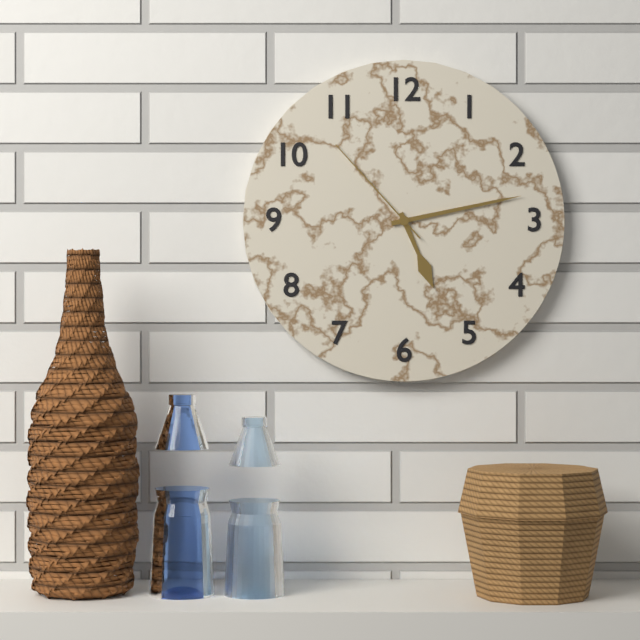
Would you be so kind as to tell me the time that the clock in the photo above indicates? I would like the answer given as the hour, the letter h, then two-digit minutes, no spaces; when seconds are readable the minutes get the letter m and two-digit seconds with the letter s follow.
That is 5h13m53s
